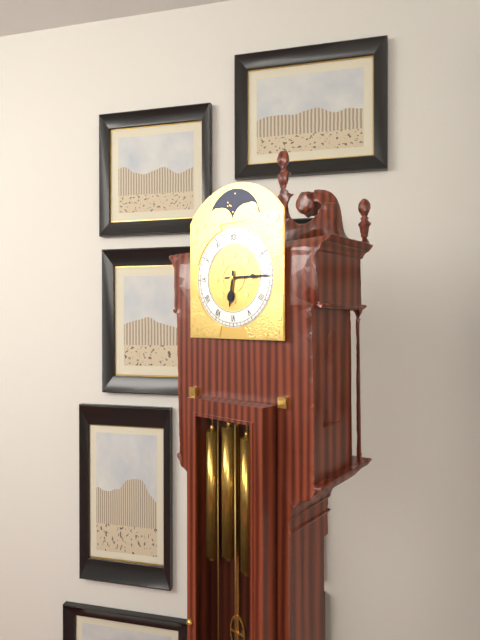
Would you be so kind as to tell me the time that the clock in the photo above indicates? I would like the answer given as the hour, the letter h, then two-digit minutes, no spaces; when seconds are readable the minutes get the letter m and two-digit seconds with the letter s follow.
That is 6h15
